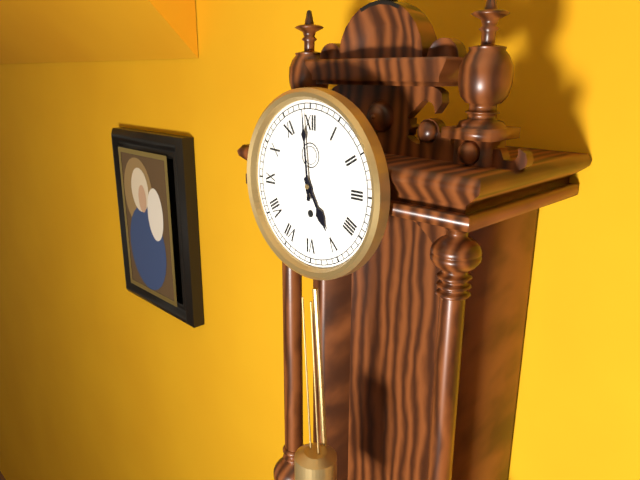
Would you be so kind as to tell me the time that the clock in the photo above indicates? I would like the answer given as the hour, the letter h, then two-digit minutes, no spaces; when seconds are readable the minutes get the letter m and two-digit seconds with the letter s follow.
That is 4h59
